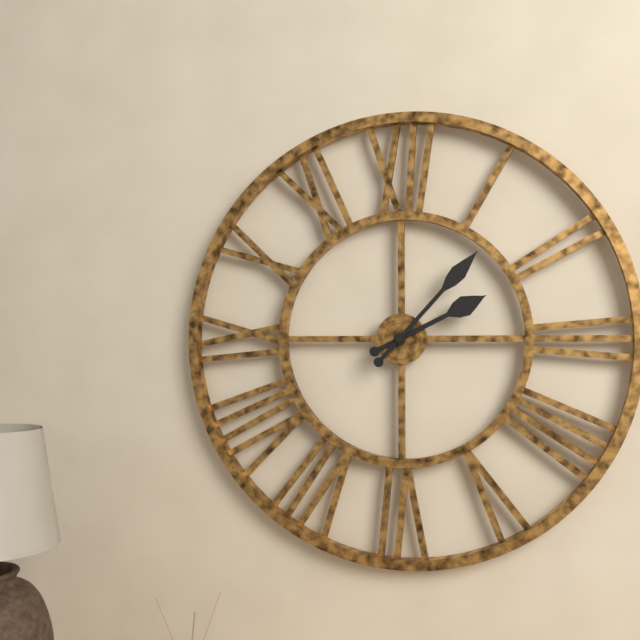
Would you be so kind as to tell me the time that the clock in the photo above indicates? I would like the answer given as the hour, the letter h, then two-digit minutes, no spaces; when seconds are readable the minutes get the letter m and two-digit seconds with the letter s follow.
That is 2h07
